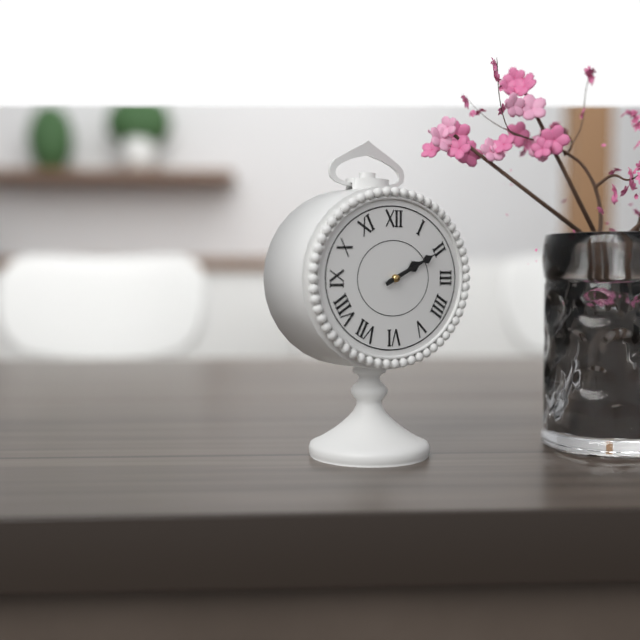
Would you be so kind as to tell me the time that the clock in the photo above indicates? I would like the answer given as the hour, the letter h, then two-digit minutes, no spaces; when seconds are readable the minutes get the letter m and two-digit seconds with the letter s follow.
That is 2h11
